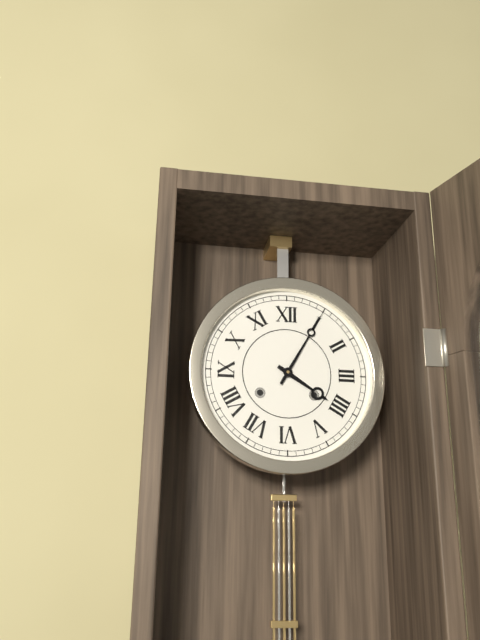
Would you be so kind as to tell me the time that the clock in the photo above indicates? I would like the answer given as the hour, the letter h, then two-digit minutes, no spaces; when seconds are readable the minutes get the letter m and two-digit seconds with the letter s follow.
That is 4h05
